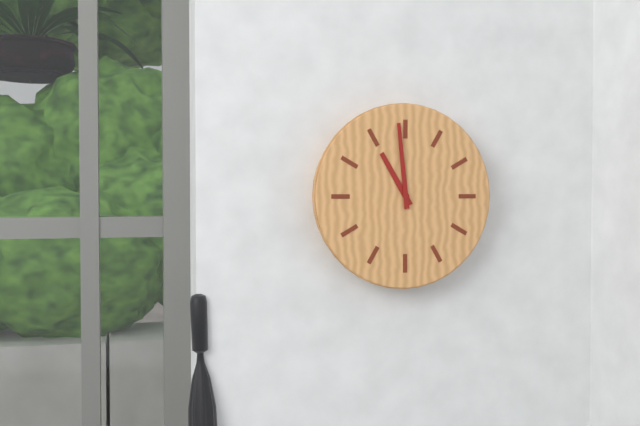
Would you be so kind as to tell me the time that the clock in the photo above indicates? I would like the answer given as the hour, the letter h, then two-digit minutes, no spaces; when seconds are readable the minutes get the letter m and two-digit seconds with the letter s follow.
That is 10h59
